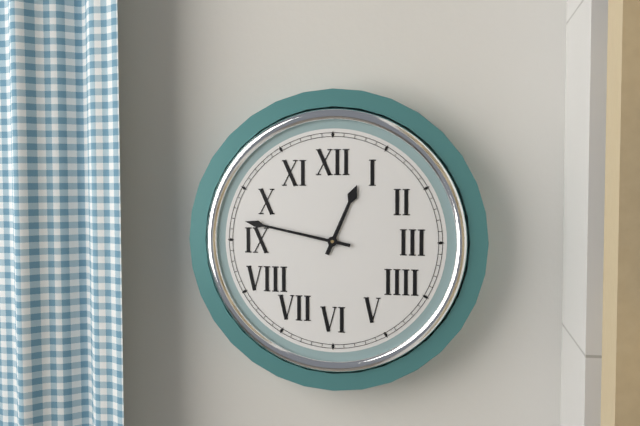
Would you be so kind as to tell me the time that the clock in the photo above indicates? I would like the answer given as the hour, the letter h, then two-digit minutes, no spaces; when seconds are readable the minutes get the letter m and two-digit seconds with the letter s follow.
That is 12h47
